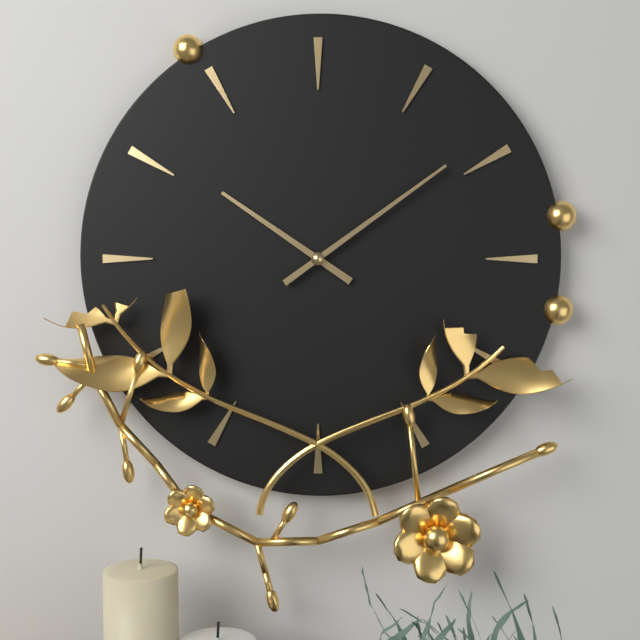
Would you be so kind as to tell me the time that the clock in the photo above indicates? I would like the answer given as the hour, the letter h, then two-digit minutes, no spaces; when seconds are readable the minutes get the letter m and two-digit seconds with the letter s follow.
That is 10h09
